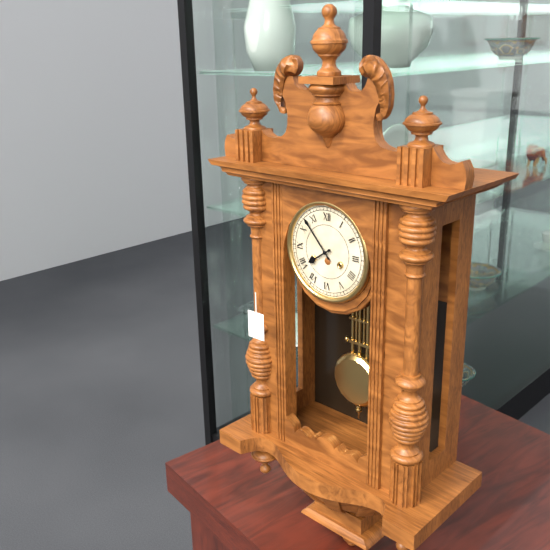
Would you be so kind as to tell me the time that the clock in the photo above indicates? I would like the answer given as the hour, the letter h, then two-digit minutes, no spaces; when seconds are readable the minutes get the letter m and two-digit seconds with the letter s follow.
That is 7h53
